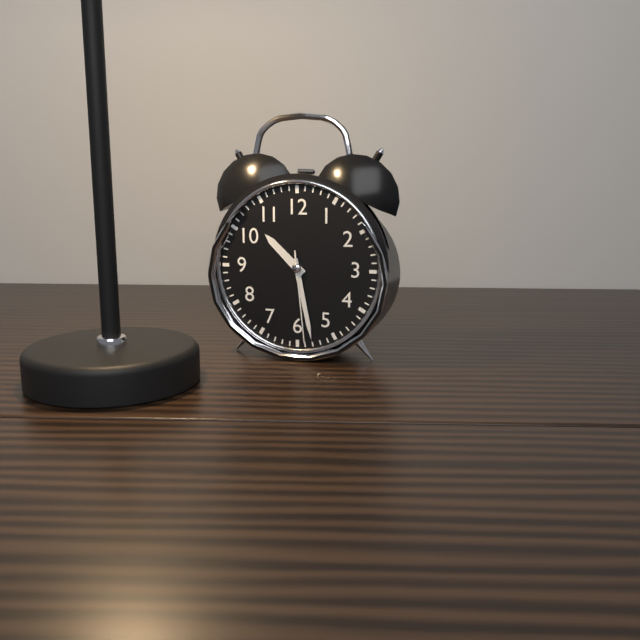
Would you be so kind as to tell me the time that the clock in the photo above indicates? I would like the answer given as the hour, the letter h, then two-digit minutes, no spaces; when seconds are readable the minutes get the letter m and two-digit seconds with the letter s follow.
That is 10h28m29s
